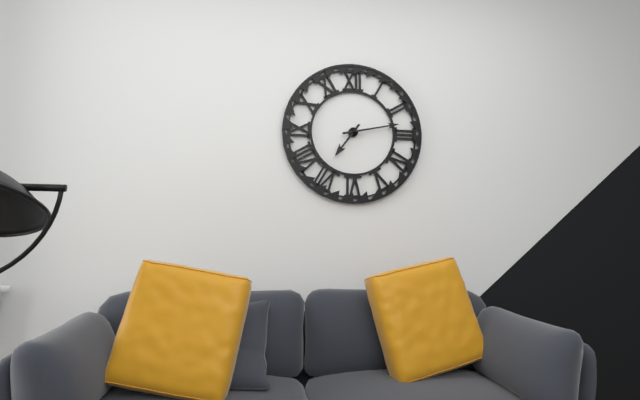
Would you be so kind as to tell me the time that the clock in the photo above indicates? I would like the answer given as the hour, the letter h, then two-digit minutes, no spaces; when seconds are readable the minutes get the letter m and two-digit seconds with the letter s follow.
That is 7h13
